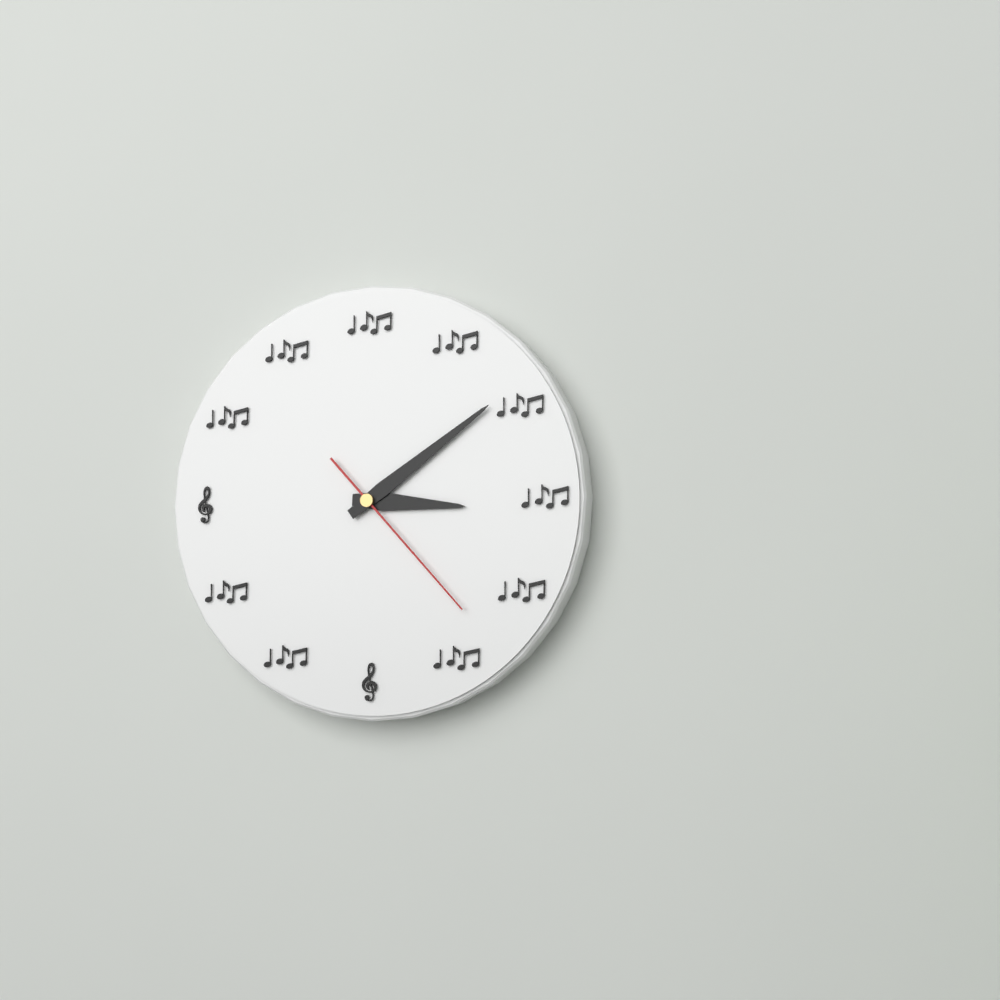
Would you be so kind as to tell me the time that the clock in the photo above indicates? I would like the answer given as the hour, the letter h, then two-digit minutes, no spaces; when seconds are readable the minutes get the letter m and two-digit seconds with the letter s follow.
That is 3h09m23s
